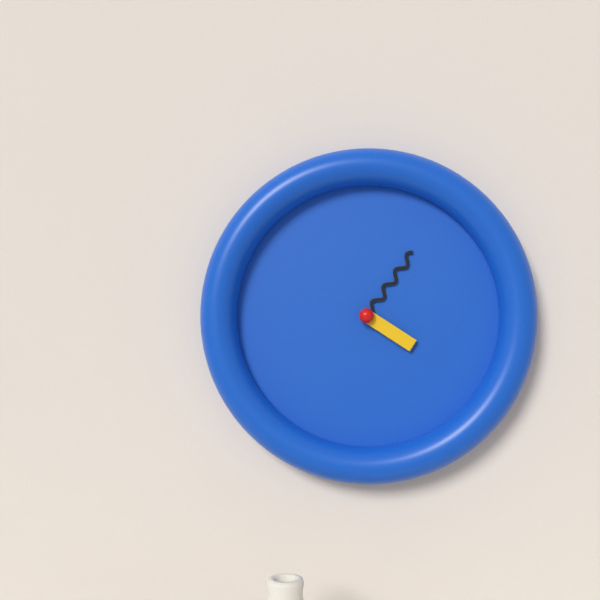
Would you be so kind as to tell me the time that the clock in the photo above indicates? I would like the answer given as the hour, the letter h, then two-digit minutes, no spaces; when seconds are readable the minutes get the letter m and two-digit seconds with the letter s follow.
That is 4h06
